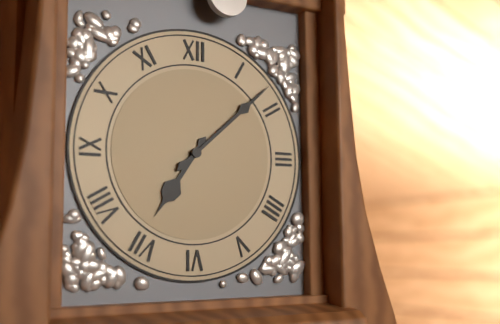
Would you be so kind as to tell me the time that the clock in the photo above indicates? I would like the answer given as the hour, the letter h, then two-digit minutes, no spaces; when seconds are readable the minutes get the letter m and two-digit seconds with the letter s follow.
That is 7h08
